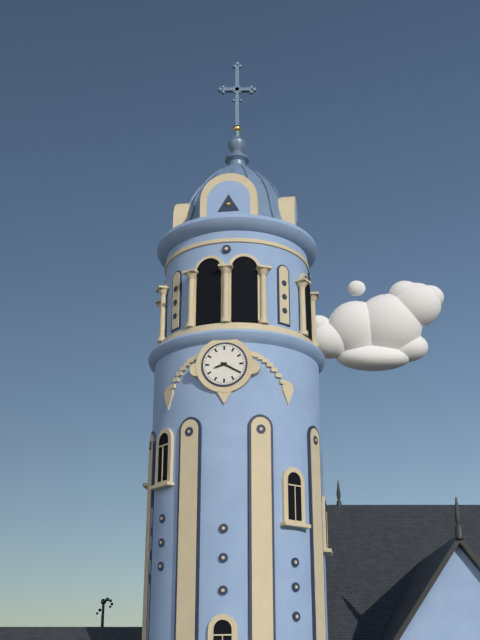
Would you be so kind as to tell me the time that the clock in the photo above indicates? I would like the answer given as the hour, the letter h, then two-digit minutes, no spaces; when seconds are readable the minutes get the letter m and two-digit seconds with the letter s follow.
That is 8h20
